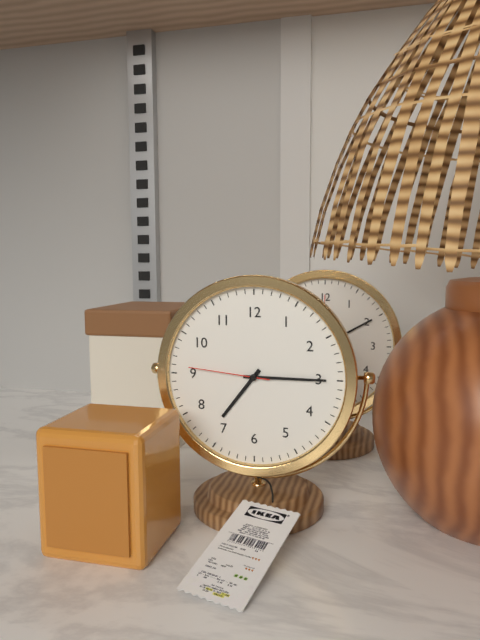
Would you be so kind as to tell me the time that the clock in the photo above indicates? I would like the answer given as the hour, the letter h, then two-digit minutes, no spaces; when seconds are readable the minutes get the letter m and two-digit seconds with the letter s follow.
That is 7h15m46s
